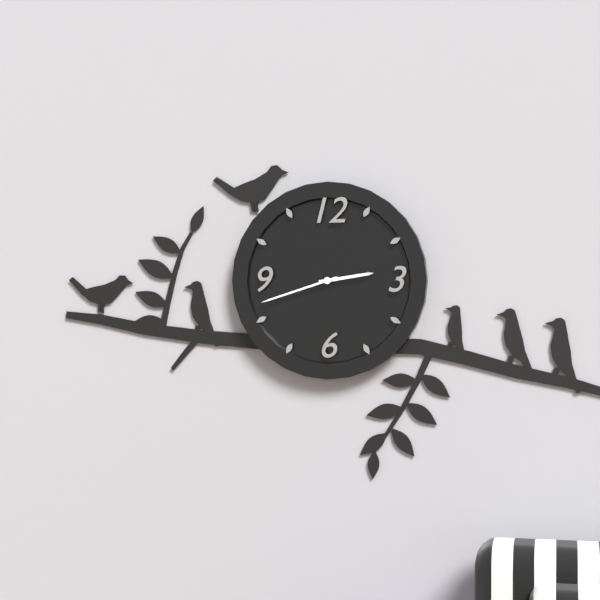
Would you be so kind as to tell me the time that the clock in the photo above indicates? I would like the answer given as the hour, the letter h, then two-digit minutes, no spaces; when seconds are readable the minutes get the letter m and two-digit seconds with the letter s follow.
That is 2h42
